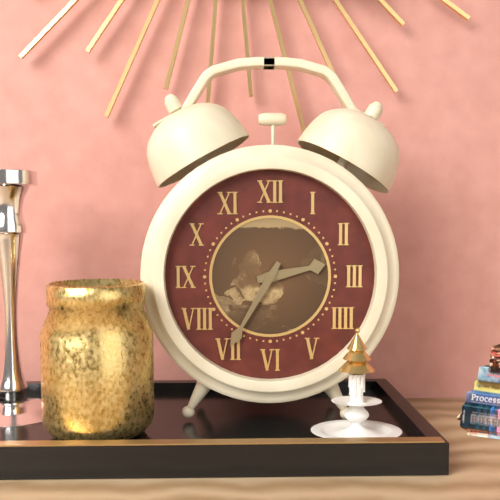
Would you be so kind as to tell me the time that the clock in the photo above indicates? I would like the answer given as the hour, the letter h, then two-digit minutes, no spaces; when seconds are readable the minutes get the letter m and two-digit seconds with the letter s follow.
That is 2h35
